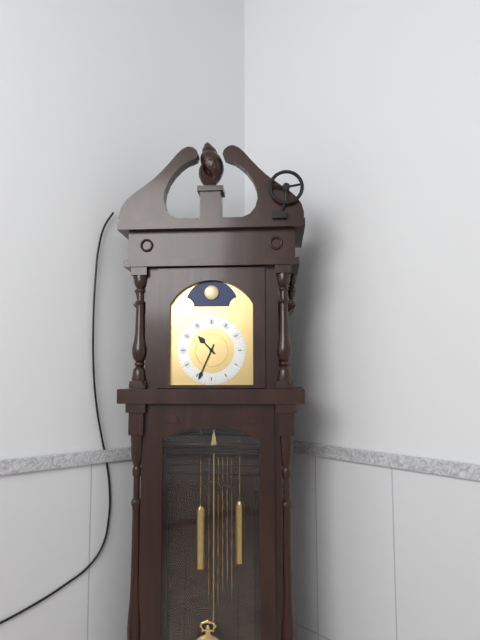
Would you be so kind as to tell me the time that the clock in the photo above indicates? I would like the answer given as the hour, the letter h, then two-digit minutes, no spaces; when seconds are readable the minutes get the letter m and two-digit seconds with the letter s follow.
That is 10h34
